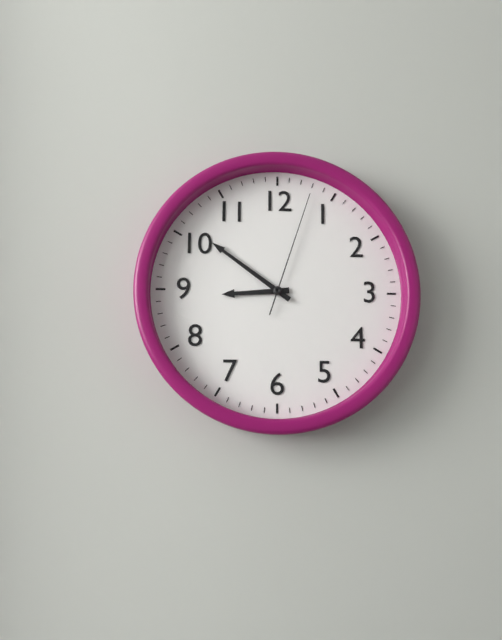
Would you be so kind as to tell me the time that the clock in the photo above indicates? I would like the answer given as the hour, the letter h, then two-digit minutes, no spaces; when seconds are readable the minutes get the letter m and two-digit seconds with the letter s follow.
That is 8h51m03s
